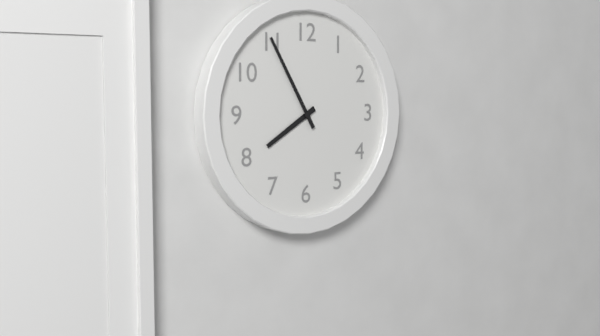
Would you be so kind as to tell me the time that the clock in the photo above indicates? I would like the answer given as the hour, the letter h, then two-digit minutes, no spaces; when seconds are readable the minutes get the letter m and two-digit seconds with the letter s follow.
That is 7h55
